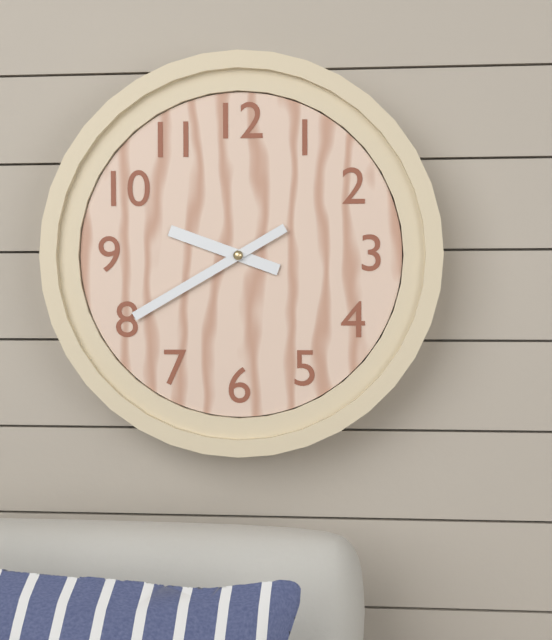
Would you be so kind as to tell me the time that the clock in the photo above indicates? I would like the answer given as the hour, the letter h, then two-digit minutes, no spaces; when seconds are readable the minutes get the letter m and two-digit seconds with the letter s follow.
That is 9h40
